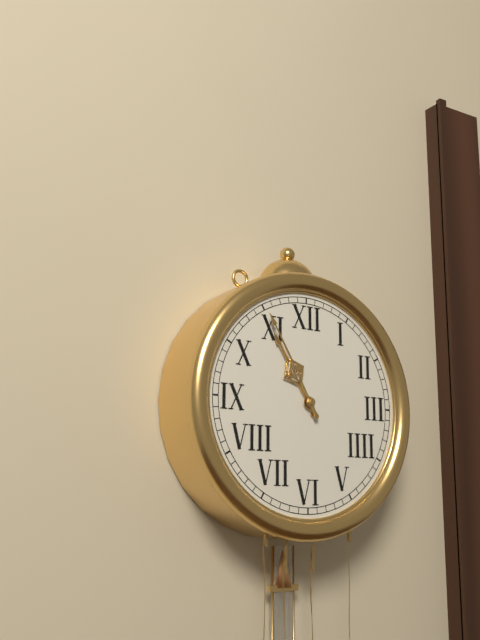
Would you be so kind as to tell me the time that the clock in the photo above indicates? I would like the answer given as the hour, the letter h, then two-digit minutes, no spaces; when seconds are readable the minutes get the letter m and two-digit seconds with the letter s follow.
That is 10h55
